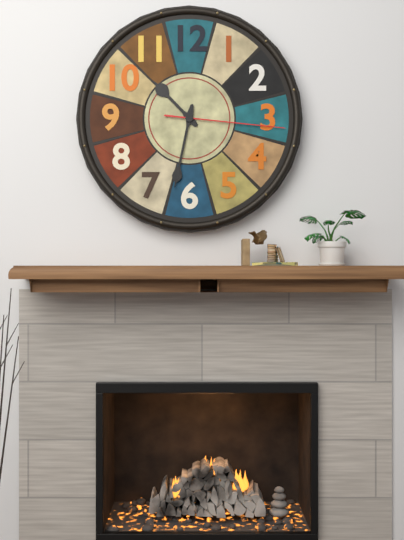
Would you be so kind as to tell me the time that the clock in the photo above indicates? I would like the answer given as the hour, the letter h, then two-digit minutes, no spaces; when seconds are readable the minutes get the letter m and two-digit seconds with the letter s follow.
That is 10h32m16s
